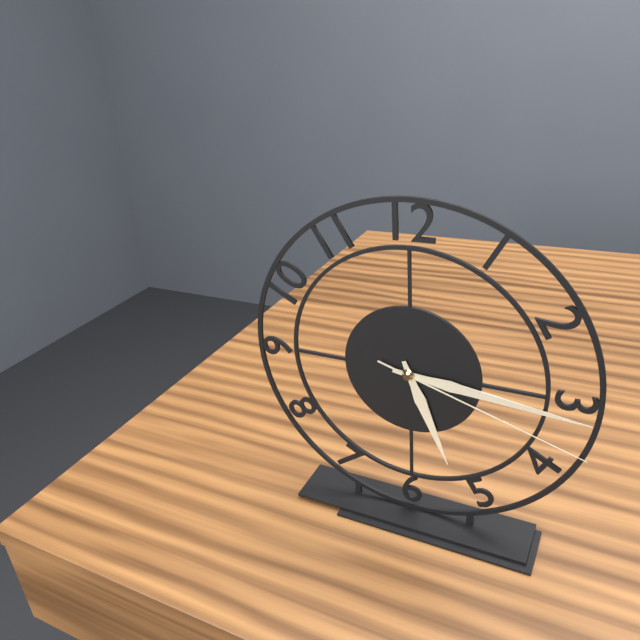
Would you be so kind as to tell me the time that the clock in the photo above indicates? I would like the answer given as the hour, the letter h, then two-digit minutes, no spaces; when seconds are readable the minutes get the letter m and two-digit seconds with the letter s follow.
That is 5h16m18s
